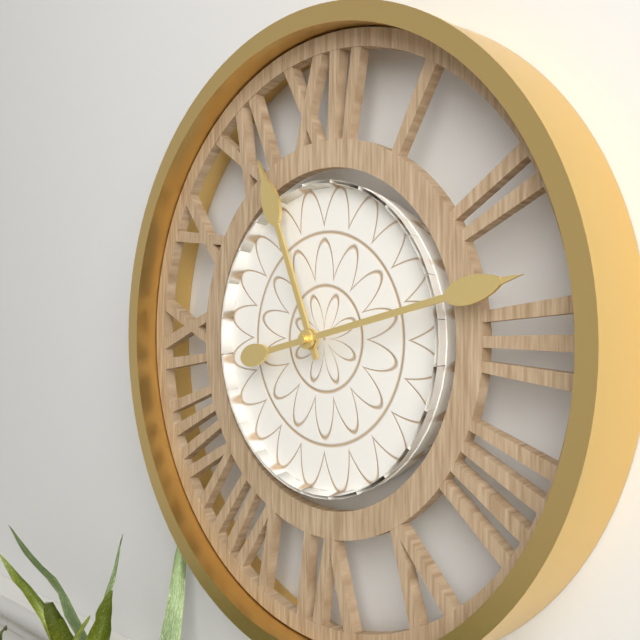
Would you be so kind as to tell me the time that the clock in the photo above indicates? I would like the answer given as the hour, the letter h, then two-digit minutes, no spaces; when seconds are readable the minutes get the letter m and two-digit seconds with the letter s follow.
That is 11h13
